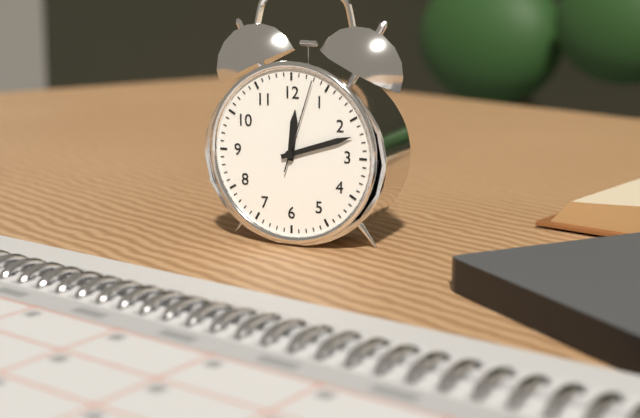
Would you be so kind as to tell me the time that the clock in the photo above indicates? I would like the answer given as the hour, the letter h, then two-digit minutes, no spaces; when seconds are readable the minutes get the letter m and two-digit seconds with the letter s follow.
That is 12h12m03s
